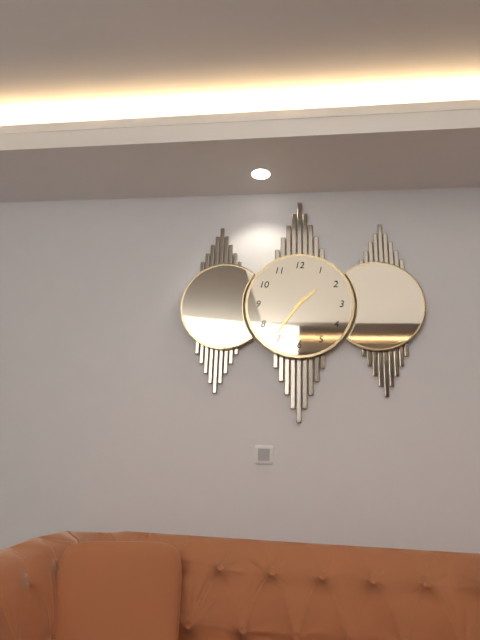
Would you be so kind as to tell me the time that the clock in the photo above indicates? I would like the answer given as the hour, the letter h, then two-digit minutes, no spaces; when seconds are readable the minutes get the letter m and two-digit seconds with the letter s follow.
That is 1h36
